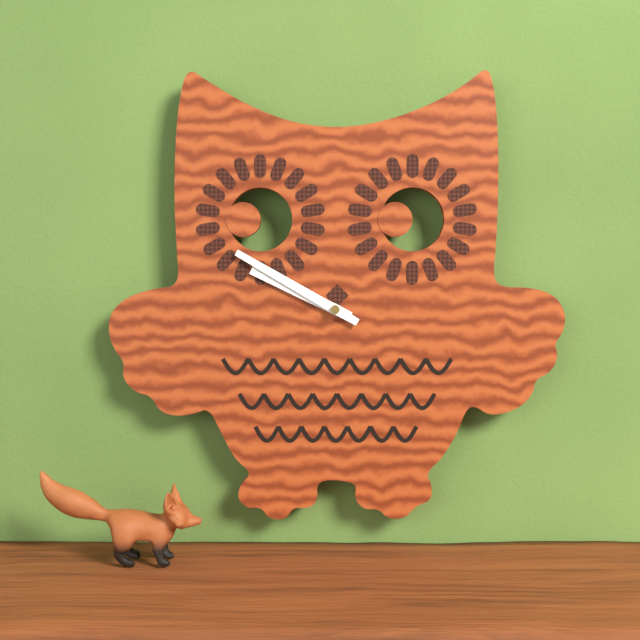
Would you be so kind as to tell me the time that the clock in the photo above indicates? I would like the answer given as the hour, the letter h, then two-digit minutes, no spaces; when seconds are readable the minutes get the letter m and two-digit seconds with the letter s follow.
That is 9h50
